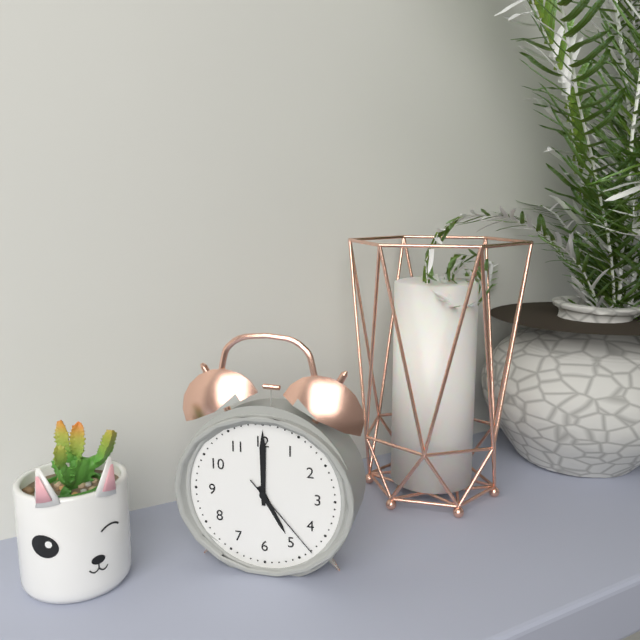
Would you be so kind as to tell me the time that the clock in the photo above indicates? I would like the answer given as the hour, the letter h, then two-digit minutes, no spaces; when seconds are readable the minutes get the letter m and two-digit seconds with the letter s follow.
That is 5h00m23s
